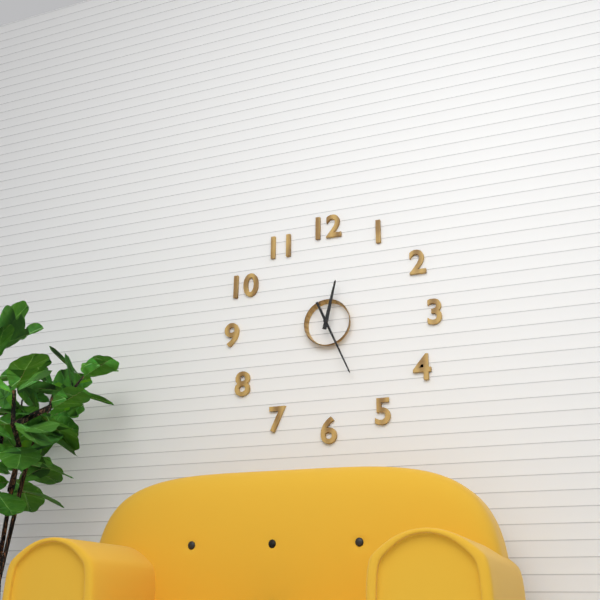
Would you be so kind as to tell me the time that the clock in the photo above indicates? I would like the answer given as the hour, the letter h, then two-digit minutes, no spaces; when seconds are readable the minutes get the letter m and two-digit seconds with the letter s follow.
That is 12h26
